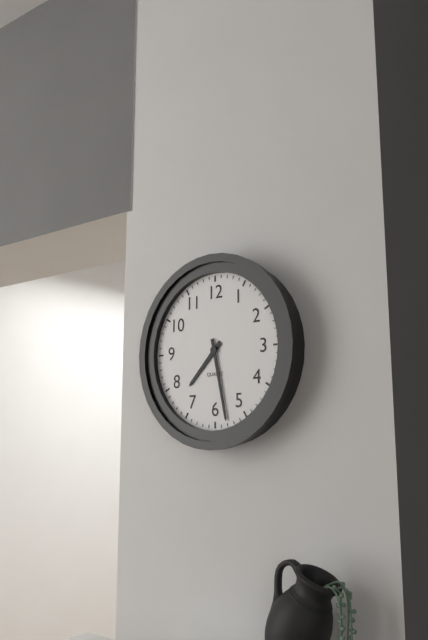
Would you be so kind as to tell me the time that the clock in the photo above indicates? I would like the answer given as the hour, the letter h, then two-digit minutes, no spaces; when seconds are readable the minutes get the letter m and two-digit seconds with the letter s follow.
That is 7h28
